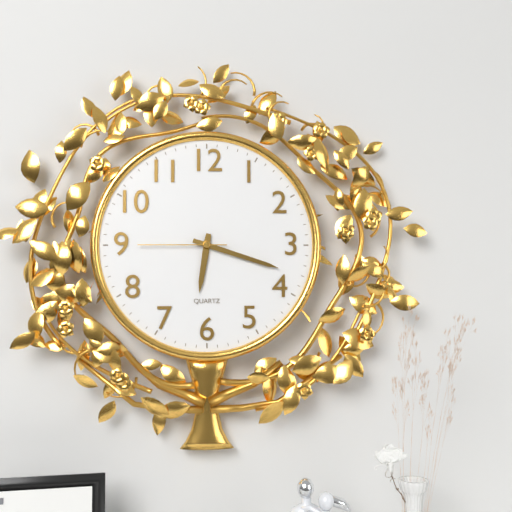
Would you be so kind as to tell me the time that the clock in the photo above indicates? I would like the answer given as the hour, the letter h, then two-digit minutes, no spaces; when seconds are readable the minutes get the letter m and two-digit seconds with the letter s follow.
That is 6h18m45s
